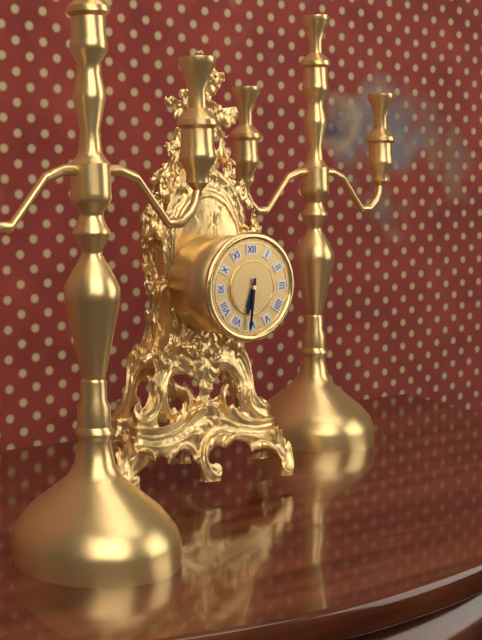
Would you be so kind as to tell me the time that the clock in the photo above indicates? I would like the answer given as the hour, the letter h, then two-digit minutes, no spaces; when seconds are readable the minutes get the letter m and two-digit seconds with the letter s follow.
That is 6h31
